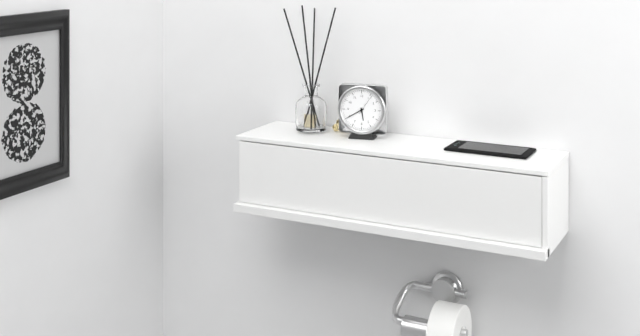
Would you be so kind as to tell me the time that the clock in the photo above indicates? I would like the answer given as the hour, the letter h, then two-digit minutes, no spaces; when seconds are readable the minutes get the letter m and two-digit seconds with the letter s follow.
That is 5h40
